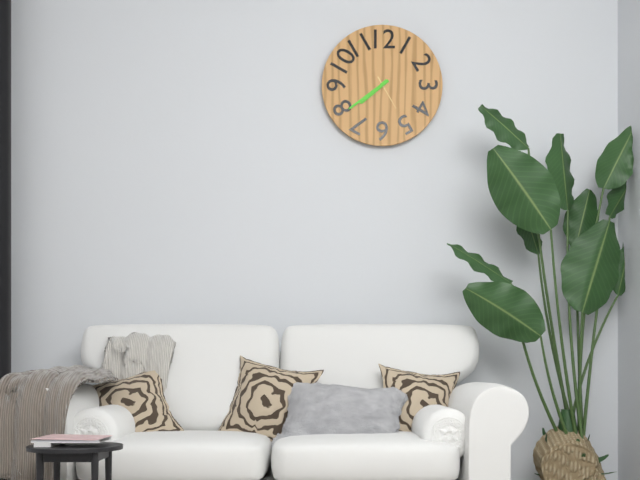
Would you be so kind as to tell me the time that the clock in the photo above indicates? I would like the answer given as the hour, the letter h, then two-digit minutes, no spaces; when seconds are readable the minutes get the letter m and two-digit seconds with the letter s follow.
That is 7h39
